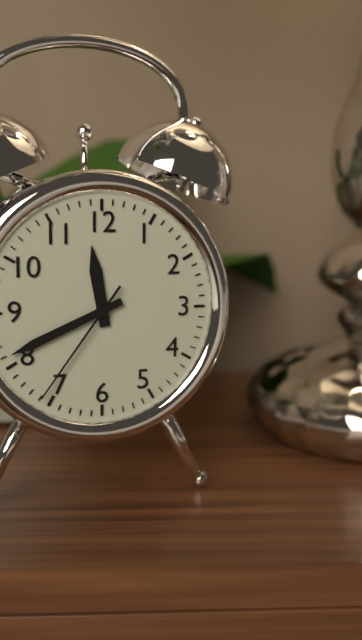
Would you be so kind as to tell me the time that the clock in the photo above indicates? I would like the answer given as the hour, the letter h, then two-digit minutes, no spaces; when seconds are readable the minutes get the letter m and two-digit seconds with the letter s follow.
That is 11h41m36s
